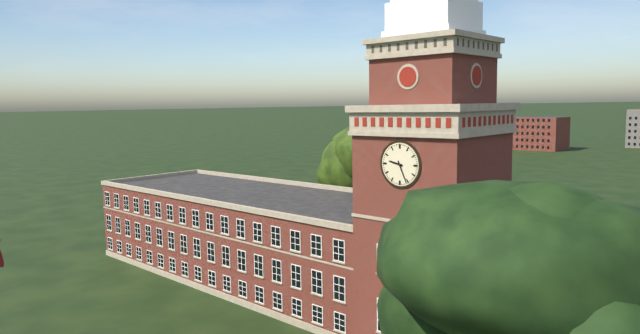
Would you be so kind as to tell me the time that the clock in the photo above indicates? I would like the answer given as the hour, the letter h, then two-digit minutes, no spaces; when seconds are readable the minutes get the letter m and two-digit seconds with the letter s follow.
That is 9h26
